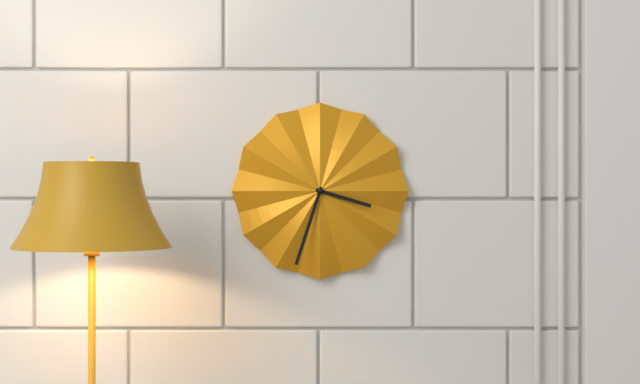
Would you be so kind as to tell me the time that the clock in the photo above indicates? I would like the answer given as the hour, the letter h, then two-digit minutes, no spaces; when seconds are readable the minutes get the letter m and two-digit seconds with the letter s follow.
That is 3h33
